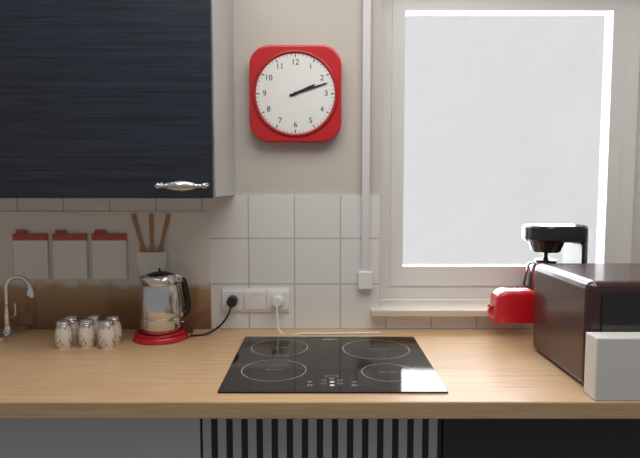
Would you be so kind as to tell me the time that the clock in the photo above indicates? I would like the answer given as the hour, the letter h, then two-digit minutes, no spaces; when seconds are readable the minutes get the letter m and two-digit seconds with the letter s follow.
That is 2h12
